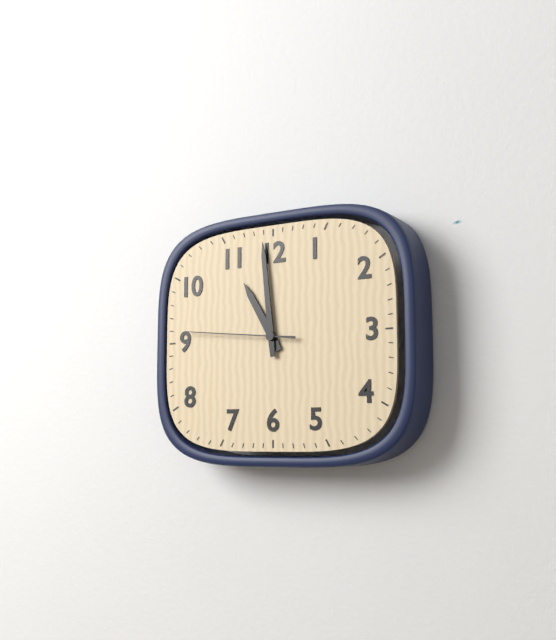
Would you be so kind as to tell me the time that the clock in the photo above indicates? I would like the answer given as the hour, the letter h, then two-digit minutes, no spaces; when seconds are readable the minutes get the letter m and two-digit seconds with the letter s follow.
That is 10h59m46s
